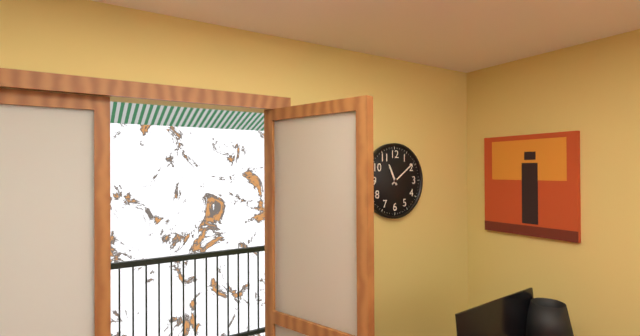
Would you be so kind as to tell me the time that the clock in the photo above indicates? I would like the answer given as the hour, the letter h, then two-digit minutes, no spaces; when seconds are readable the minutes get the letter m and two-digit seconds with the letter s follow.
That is 11h09
